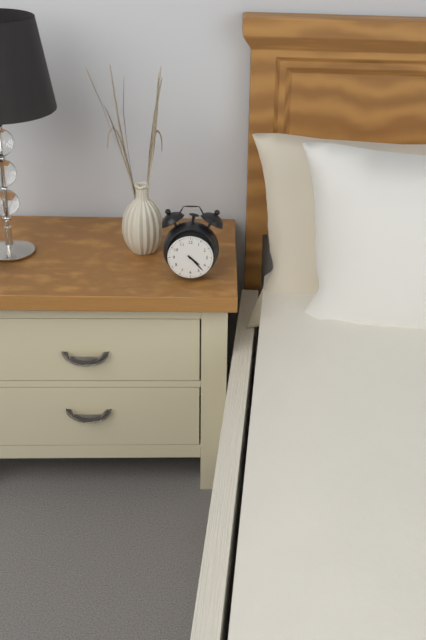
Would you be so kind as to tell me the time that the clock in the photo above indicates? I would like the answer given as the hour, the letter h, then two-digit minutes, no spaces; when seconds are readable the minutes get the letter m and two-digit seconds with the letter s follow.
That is 4h23
